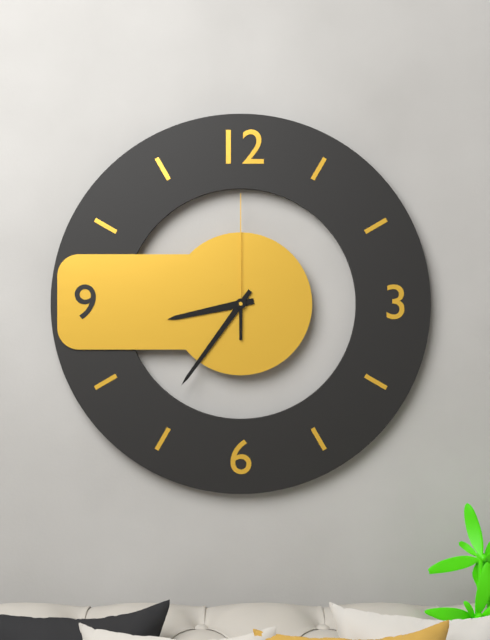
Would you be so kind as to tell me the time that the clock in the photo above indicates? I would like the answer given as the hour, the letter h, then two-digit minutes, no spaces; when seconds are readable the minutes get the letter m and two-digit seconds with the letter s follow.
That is 8h36m00s
